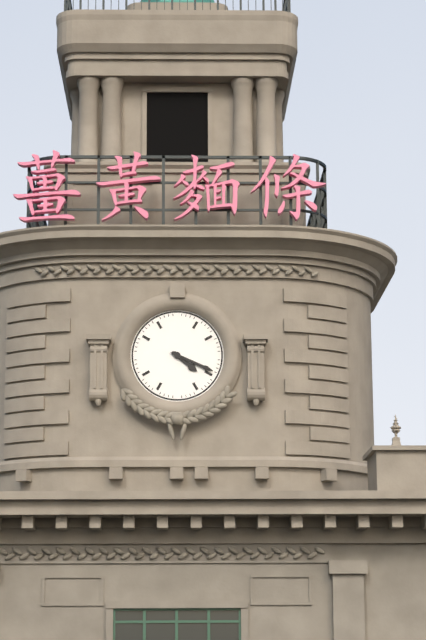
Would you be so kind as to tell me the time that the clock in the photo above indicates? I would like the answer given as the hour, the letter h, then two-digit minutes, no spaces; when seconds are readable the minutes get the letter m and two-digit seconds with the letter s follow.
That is 4h19
